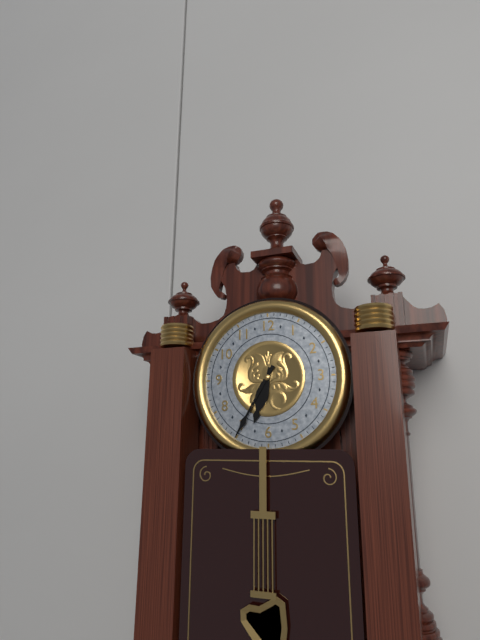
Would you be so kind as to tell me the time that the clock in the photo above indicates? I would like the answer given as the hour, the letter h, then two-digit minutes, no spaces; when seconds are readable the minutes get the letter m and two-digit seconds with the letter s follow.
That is 6h35
